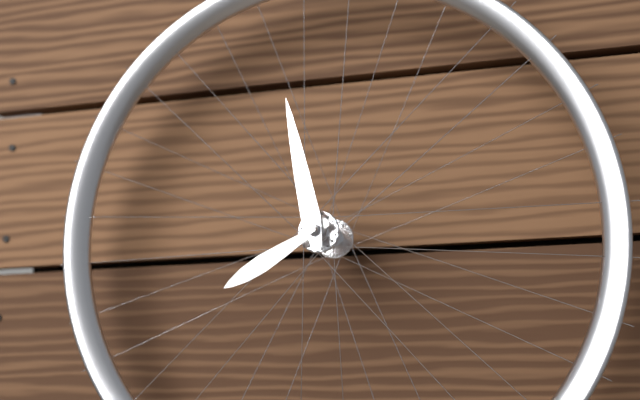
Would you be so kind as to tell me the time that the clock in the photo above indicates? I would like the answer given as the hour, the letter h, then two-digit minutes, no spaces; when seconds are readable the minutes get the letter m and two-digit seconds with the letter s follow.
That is 7h58
